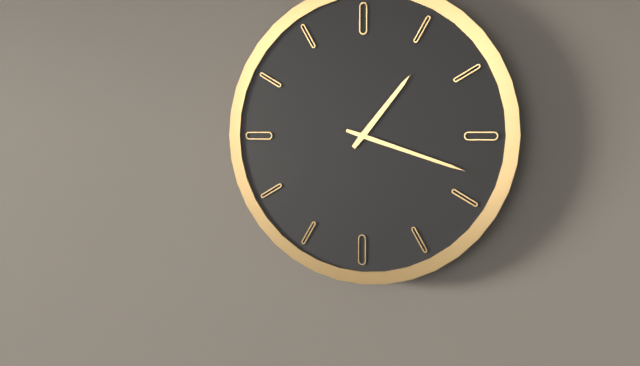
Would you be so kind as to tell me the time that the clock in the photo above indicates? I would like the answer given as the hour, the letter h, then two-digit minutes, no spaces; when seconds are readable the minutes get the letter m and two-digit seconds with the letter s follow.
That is 1h18
